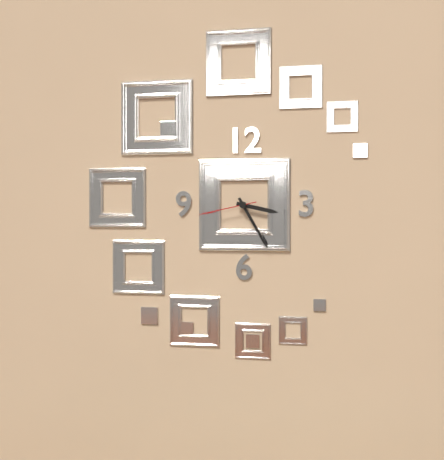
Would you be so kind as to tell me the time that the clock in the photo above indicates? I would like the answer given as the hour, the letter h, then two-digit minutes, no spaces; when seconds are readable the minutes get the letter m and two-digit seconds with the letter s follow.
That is 3h25m43s
